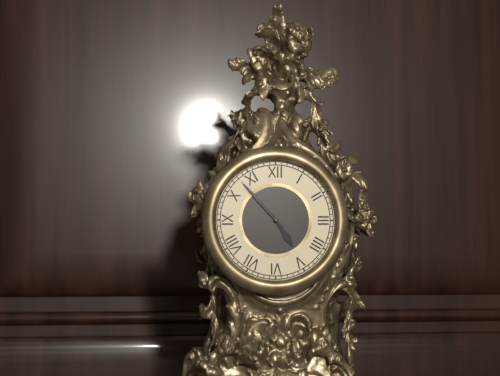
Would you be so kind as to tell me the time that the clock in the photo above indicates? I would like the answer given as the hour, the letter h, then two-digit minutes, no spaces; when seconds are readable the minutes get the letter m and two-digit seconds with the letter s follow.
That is 4h53
